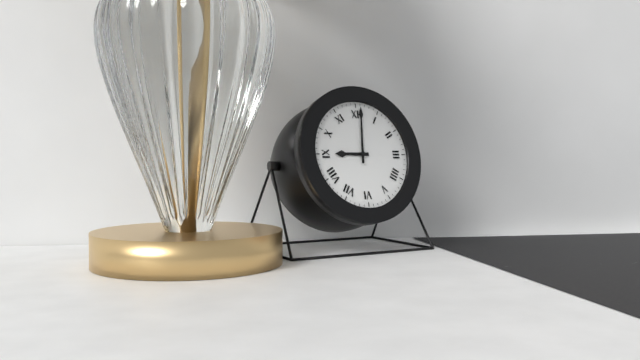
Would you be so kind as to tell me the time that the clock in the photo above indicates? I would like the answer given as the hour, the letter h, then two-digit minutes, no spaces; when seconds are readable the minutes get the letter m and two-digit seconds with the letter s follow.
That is 9h01
